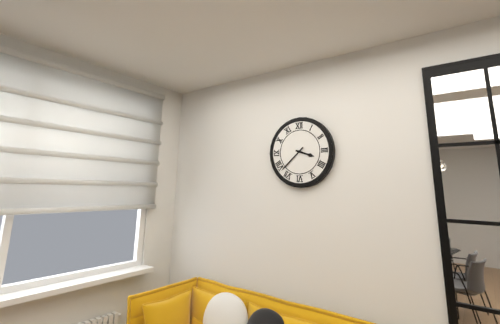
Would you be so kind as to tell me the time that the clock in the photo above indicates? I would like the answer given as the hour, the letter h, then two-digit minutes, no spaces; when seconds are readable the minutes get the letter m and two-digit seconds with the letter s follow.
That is 3h38
